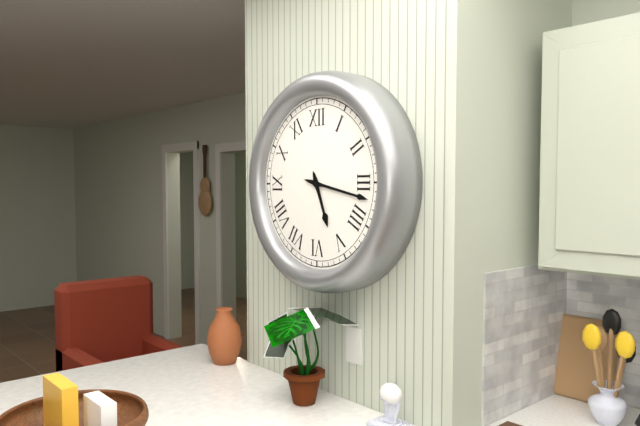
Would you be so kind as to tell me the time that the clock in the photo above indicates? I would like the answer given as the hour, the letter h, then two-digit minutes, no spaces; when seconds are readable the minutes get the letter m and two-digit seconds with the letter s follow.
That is 5h17
